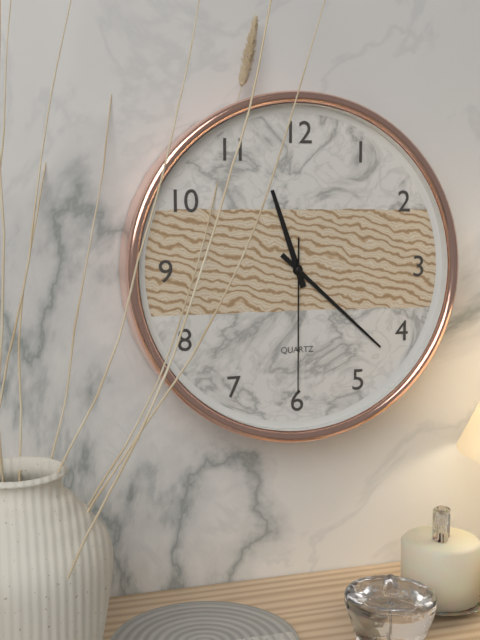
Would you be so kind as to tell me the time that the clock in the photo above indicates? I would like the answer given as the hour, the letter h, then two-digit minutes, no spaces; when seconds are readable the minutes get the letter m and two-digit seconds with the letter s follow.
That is 11h22m30s
